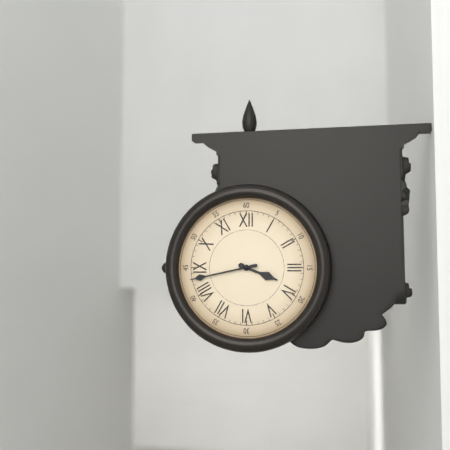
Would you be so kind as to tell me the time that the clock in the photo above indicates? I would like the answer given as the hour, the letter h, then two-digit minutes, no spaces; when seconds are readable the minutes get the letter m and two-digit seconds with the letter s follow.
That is 3h43
